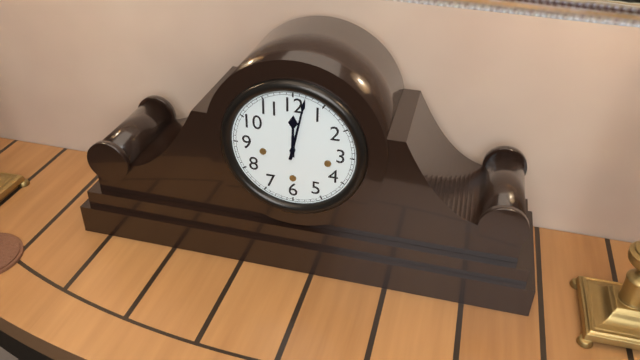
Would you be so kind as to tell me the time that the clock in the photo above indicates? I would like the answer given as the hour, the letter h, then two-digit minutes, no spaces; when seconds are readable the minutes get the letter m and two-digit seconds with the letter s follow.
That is 12h02
